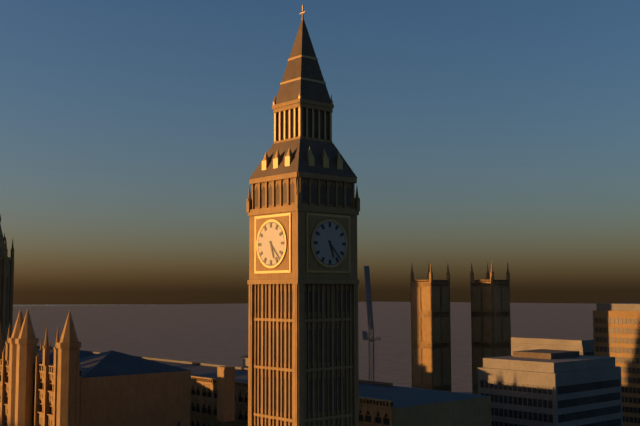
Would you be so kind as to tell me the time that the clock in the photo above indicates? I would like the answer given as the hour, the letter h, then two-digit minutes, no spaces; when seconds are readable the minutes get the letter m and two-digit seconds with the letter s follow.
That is 5h23
